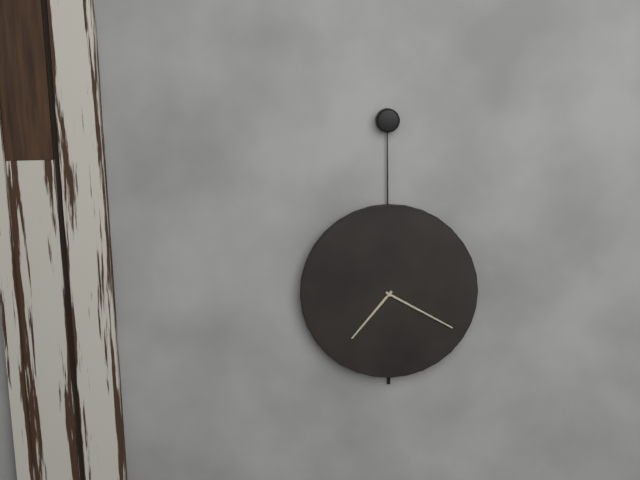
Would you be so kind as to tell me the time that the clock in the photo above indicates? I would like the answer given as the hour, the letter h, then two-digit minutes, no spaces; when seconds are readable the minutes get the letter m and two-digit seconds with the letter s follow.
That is 7h20
